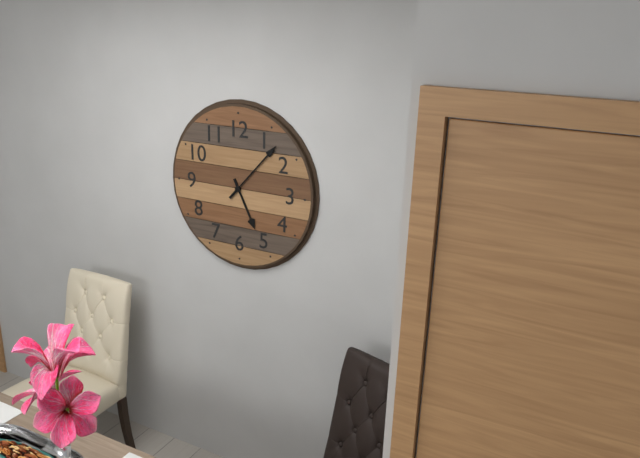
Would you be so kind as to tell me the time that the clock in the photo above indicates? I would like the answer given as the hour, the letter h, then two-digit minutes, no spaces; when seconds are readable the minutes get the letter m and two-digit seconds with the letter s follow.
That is 5h07
